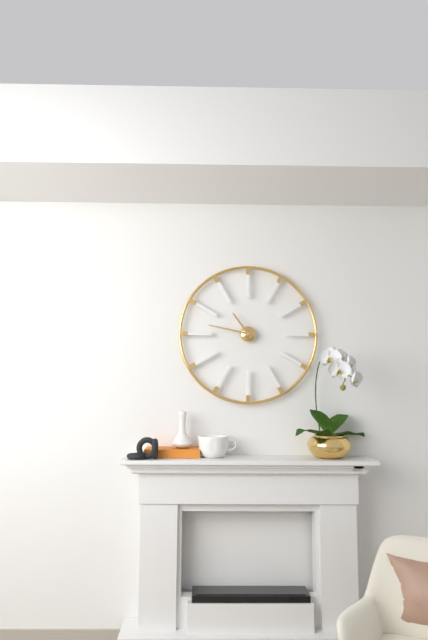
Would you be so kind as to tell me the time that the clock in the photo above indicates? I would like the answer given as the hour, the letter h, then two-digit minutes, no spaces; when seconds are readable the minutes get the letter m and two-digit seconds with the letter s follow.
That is 10h47
